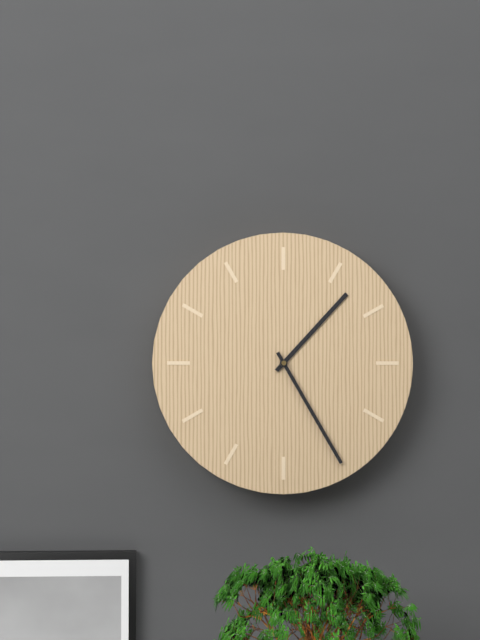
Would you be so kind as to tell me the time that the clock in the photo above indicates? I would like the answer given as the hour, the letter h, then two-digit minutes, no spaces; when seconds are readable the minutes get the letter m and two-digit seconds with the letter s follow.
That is 1h25
